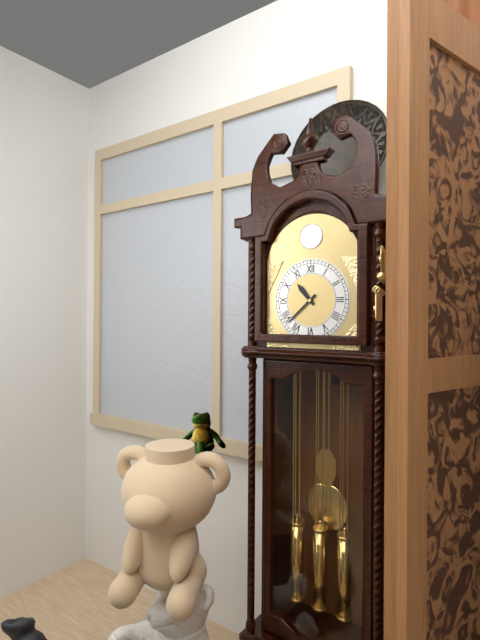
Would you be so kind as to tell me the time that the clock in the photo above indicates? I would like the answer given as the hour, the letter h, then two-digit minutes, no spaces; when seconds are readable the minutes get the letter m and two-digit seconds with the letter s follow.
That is 10h38
